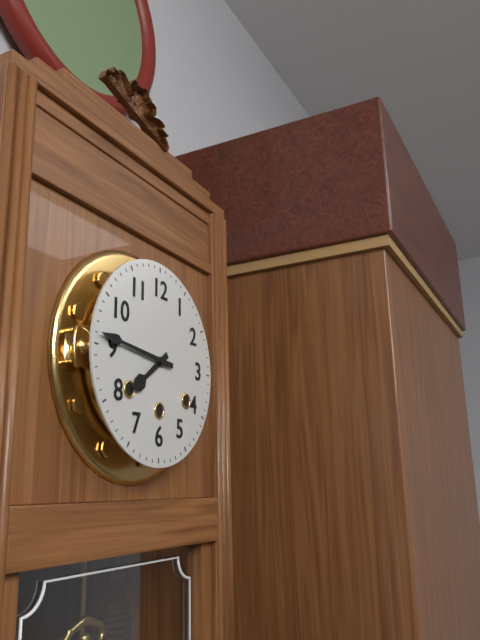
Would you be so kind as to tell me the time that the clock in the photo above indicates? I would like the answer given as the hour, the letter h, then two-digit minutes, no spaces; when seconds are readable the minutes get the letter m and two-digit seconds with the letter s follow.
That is 7h46
